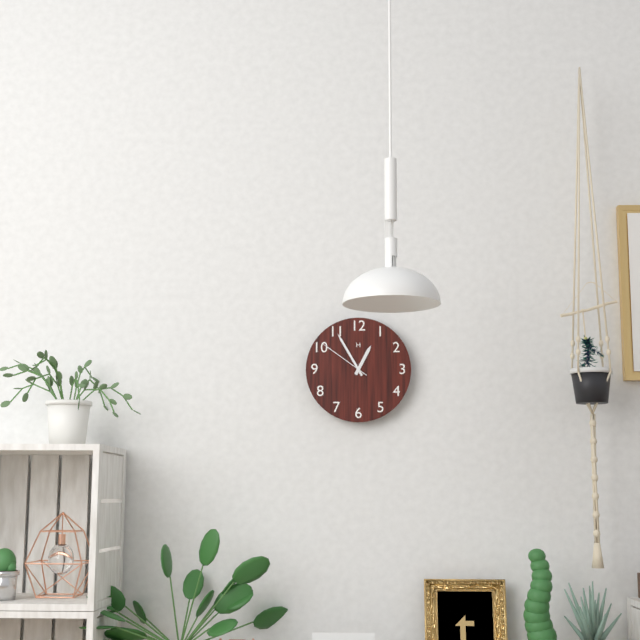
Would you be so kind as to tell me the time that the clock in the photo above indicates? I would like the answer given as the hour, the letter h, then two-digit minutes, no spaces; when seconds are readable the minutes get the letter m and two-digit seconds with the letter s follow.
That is 12h55m51s
